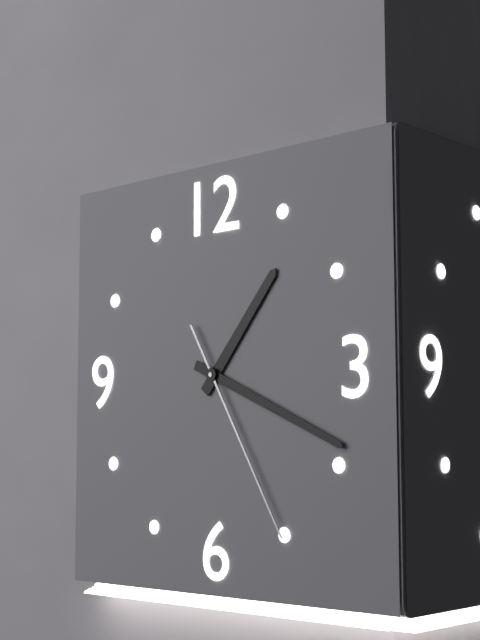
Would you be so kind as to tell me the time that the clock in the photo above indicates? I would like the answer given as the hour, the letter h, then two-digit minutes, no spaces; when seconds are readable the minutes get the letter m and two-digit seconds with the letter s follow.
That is 1h19m25s
